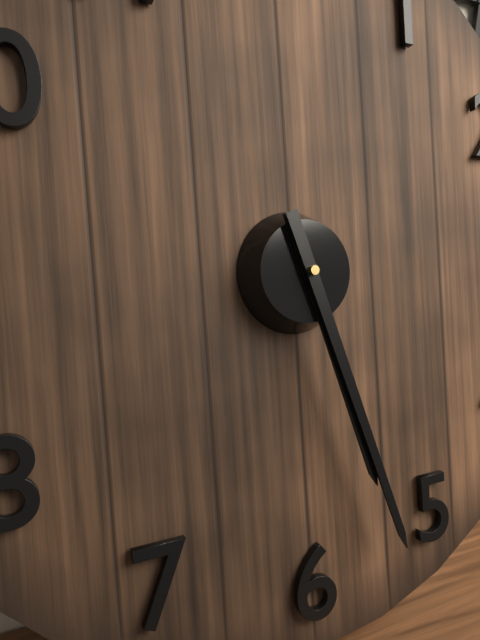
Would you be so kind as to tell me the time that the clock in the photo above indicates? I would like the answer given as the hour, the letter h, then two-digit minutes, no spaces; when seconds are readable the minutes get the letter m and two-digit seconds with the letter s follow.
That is 5h27
